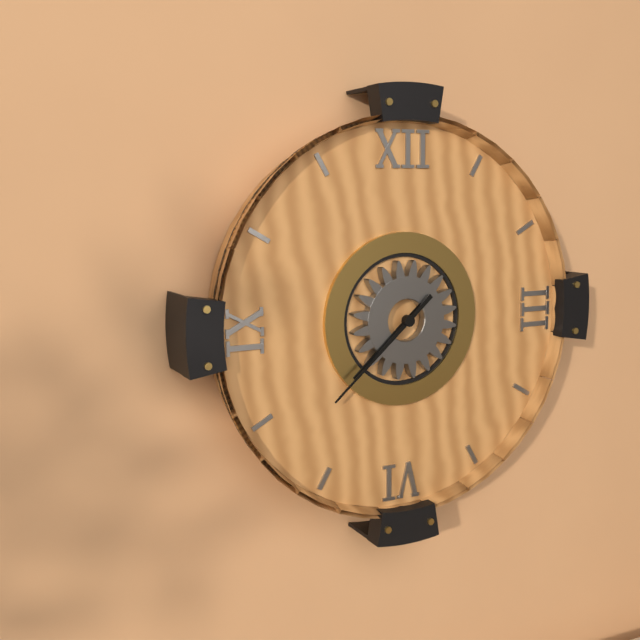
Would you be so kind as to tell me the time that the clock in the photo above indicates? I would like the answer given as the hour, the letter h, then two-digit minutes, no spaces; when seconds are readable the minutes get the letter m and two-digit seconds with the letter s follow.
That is 7h38
